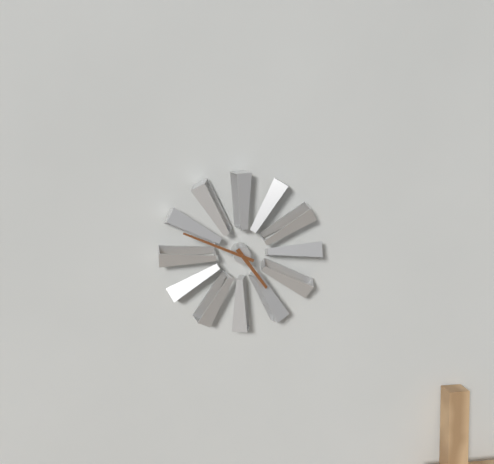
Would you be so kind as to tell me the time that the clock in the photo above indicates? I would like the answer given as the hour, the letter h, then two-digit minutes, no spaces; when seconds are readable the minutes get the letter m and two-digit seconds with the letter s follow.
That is 4h49
